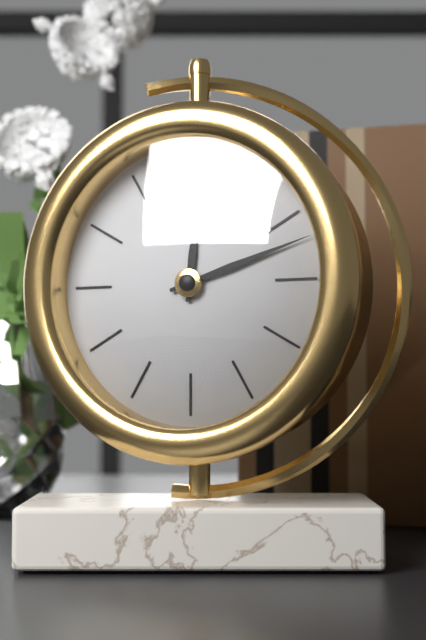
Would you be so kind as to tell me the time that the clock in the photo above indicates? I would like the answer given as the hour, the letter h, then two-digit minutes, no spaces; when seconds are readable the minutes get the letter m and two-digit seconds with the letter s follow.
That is 12h12
